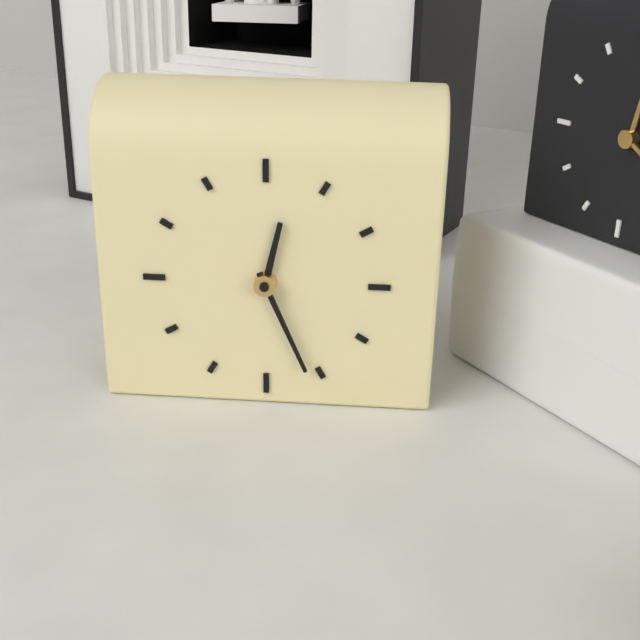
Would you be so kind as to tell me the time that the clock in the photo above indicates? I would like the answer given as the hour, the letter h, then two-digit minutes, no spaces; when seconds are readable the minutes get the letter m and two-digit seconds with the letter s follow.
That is 12h26
